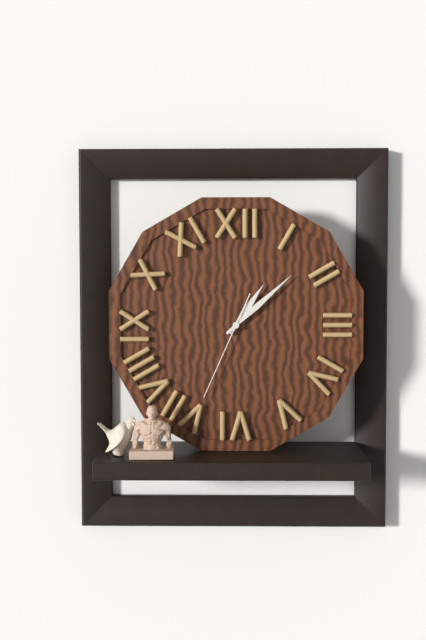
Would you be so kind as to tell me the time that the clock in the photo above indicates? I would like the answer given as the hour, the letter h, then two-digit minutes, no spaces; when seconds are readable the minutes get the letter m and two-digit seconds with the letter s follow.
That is 1h08m34s
